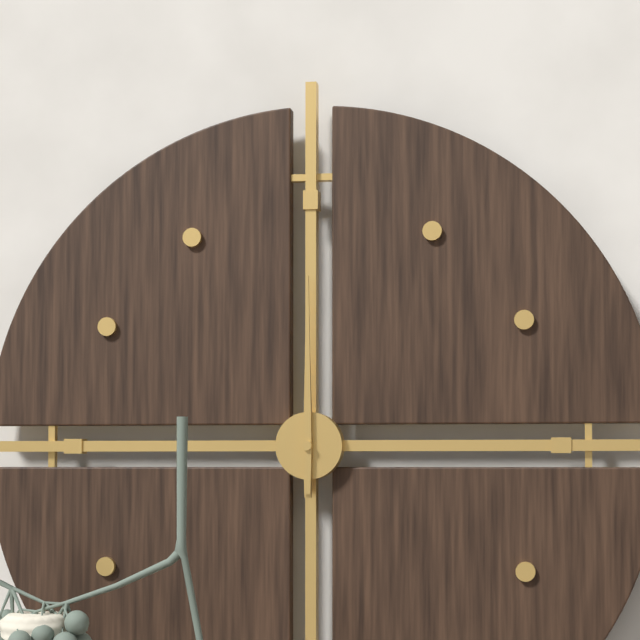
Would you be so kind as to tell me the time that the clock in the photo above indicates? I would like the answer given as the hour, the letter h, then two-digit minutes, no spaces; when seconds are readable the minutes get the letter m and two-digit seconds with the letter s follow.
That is 12h00
